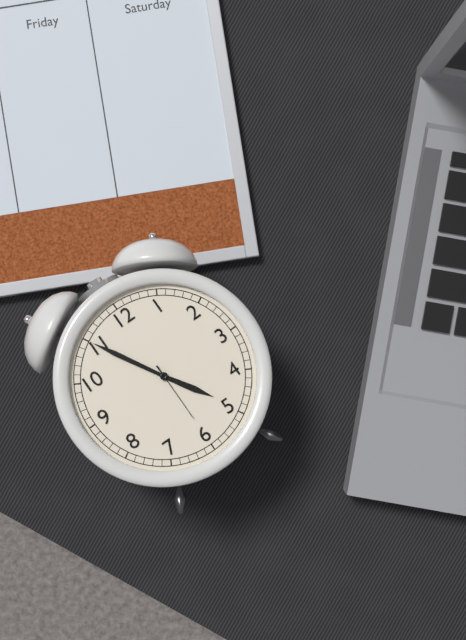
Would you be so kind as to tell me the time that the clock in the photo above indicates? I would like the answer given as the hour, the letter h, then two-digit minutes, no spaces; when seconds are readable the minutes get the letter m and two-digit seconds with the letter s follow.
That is 4h55m30s
